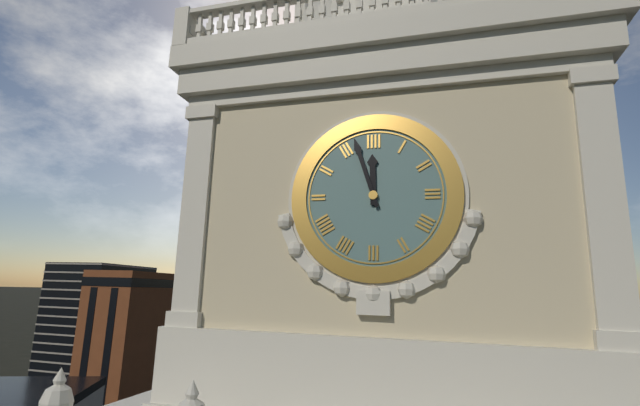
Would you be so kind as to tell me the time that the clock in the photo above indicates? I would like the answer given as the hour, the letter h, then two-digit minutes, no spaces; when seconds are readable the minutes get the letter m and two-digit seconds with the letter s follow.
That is 11h57
